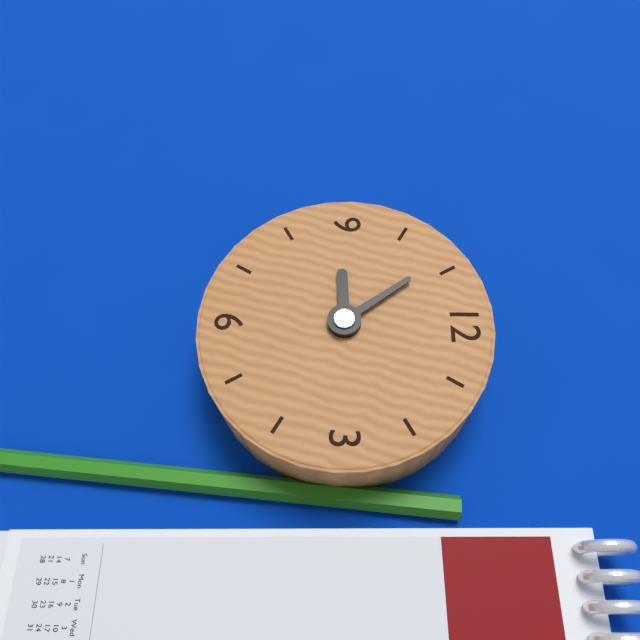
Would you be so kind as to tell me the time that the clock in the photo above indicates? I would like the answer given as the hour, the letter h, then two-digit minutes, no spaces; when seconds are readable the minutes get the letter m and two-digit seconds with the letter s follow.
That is 8h54
